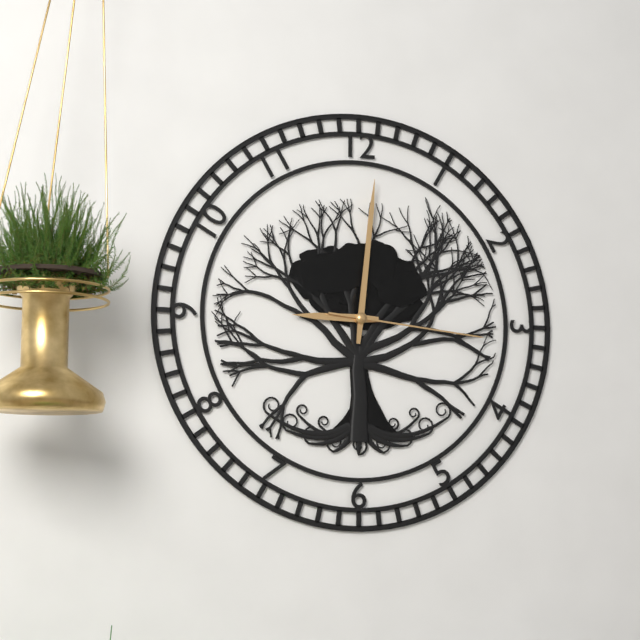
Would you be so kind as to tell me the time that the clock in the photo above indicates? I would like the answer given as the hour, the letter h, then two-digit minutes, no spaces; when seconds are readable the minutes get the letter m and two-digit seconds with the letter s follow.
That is 9h01m16s
